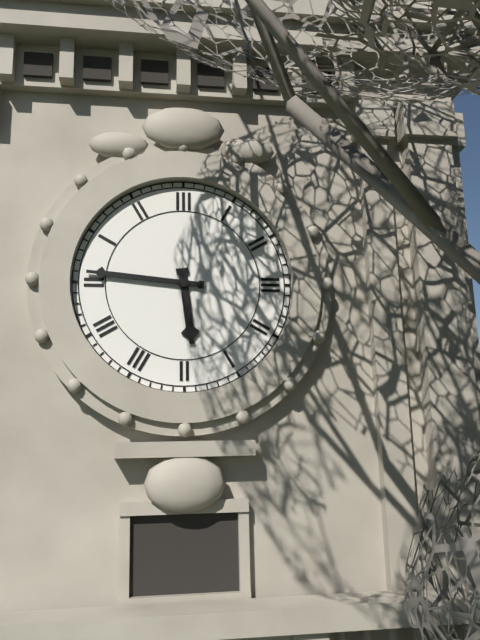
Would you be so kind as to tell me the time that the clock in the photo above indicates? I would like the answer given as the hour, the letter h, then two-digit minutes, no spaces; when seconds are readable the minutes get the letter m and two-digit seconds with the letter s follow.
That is 5h46
